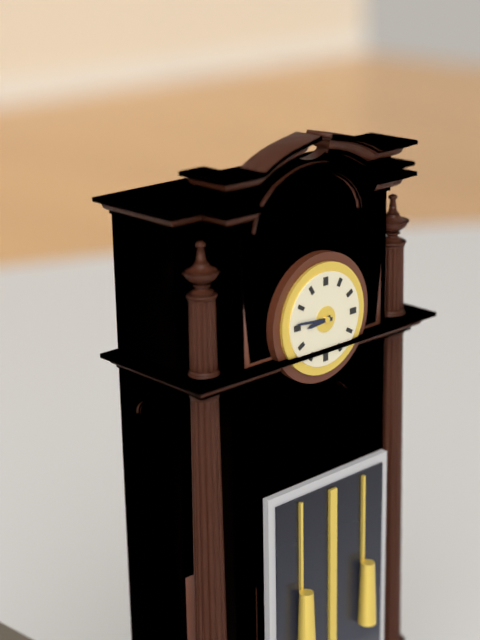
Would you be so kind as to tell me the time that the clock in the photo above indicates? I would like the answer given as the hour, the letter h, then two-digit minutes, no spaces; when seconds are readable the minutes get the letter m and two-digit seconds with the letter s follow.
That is 8h46
